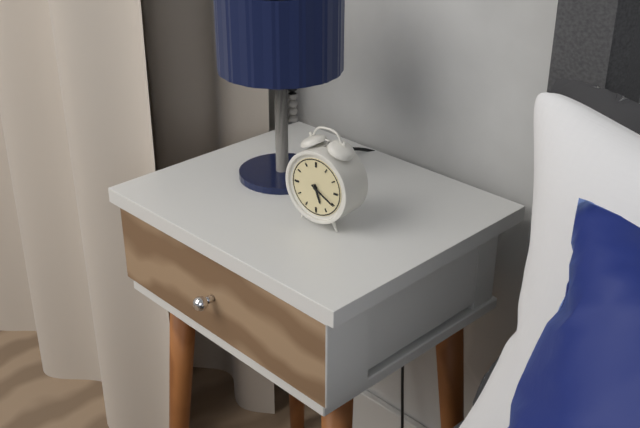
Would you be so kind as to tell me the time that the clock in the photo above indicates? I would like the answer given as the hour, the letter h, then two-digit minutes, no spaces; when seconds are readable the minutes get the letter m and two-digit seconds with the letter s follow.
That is 5h20
